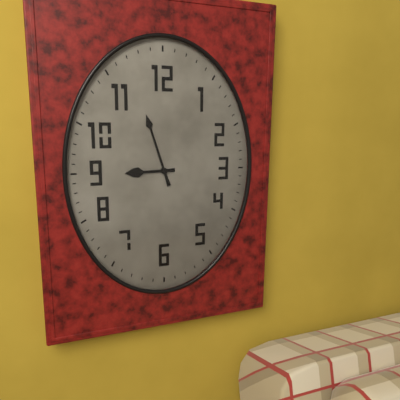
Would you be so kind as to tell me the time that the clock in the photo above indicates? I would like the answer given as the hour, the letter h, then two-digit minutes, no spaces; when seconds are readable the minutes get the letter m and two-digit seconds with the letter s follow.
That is 8h57
